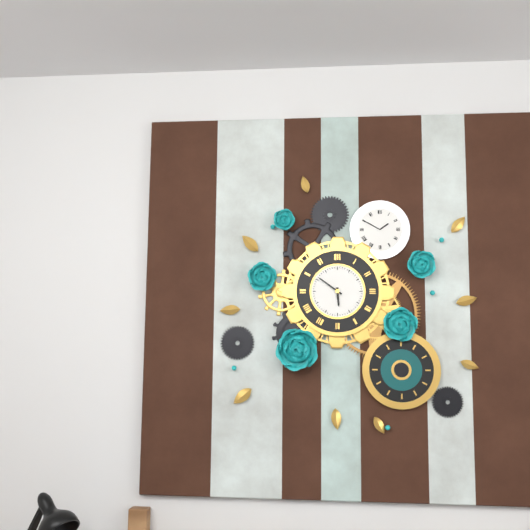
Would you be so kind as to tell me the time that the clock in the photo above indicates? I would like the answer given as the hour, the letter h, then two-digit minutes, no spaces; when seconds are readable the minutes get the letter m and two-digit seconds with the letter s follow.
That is 5h51
